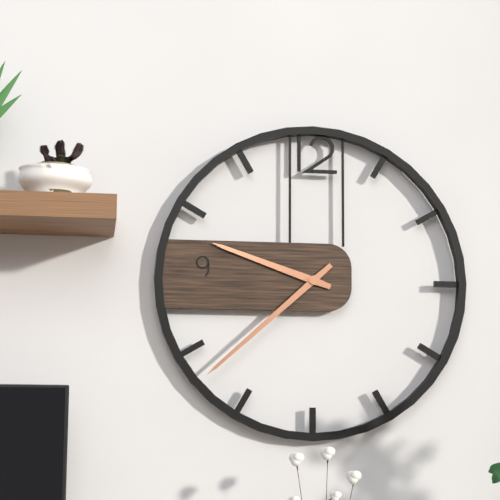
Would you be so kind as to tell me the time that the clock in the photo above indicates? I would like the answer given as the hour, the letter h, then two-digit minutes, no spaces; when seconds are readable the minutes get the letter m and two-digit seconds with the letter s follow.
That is 9h38
